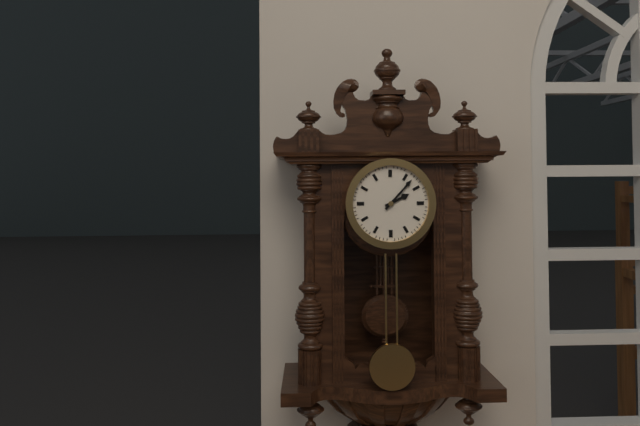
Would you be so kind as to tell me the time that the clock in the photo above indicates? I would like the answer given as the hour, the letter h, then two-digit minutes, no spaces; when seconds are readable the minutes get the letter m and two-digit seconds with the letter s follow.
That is 2h07
